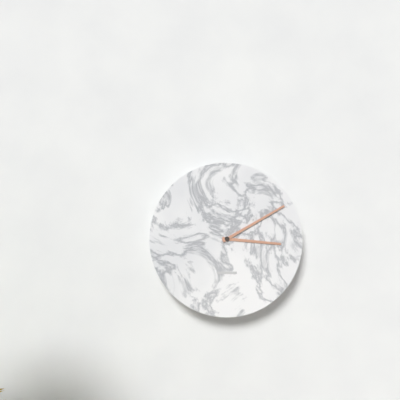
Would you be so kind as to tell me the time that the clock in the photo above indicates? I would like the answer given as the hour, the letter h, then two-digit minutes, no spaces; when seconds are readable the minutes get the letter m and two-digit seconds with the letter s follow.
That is 3h10
